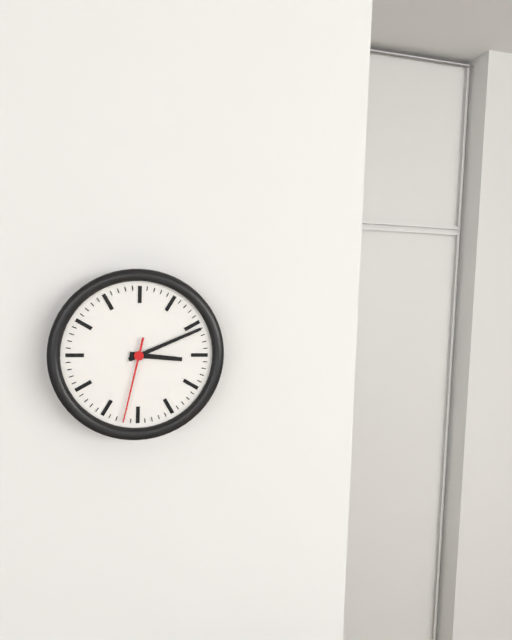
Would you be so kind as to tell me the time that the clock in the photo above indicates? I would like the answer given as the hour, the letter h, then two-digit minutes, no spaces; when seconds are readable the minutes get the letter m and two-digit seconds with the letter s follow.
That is 3h11m32s
